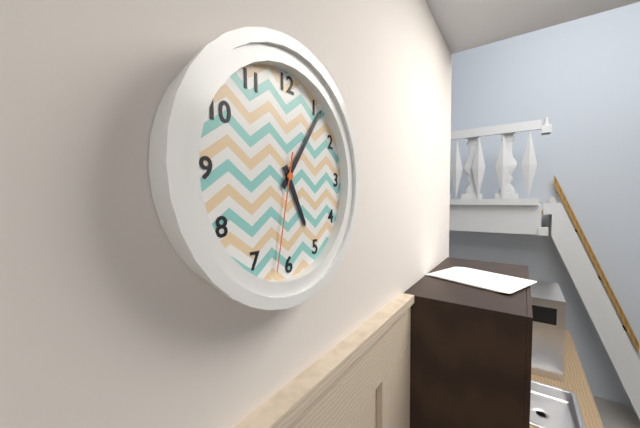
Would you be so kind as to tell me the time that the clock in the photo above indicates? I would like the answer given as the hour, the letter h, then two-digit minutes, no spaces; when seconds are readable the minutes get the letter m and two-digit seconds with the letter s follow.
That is 5h06m32s
